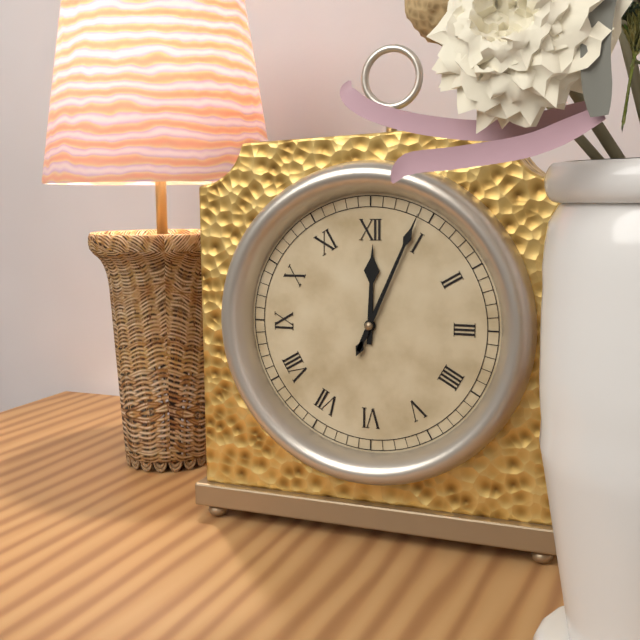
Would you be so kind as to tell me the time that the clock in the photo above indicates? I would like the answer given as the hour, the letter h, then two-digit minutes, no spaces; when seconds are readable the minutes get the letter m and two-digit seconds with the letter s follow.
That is 12h04
